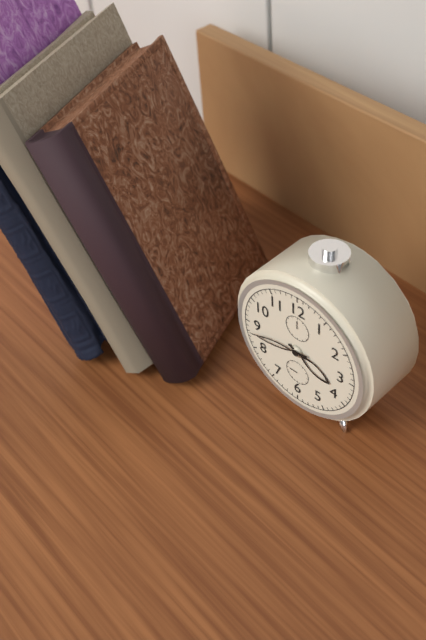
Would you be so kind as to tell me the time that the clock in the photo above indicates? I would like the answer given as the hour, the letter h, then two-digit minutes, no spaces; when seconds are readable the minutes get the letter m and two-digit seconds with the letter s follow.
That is 3h43
